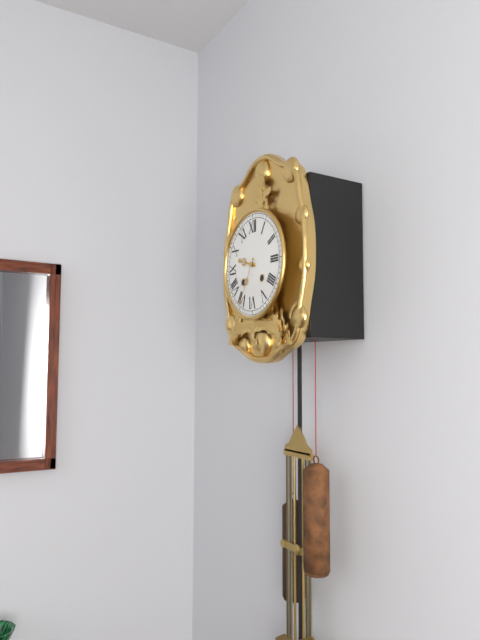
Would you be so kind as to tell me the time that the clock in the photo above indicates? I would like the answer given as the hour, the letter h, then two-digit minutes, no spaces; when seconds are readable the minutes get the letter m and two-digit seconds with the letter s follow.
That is 9h35
